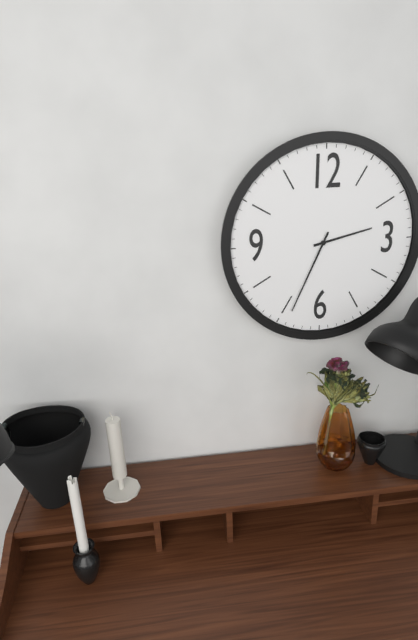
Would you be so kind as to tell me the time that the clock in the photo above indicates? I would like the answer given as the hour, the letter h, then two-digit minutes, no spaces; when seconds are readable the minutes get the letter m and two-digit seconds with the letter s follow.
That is 2h34
